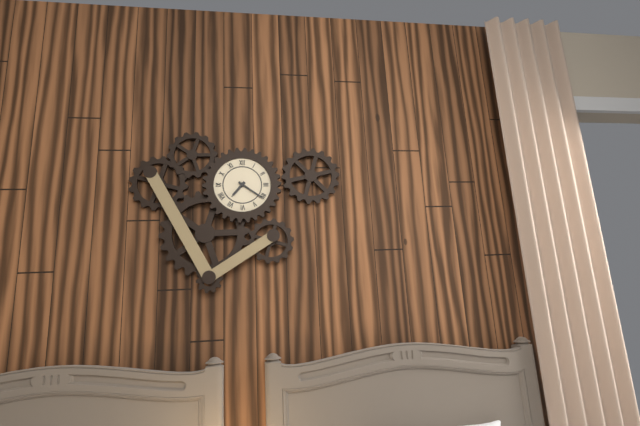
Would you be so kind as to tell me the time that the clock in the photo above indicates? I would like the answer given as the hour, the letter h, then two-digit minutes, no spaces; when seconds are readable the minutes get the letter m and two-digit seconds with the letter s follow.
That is 7h21
